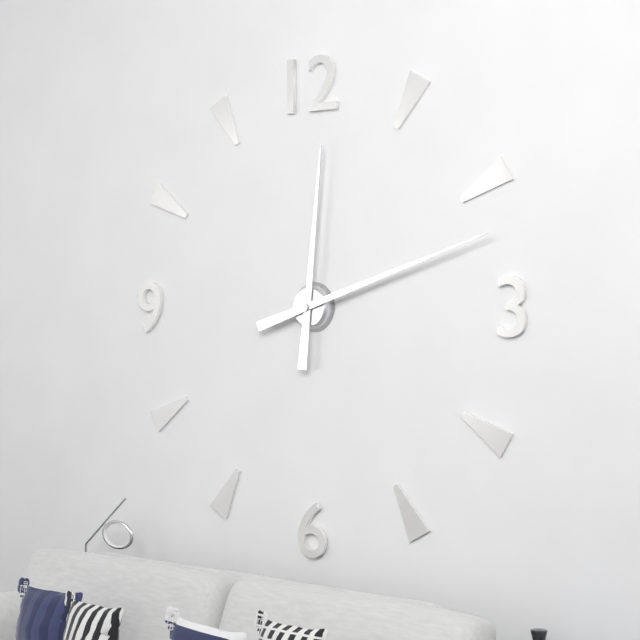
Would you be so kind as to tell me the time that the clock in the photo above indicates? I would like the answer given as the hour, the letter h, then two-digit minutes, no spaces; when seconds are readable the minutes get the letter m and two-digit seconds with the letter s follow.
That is 12h12
